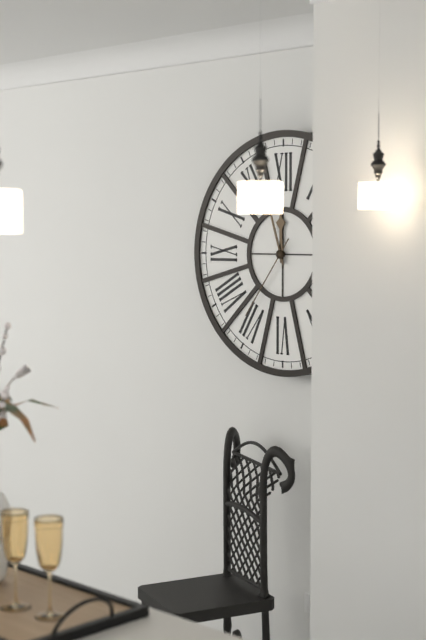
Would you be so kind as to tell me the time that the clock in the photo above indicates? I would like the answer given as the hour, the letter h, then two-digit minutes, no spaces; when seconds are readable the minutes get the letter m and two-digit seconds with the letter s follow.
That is 11h57m36s
